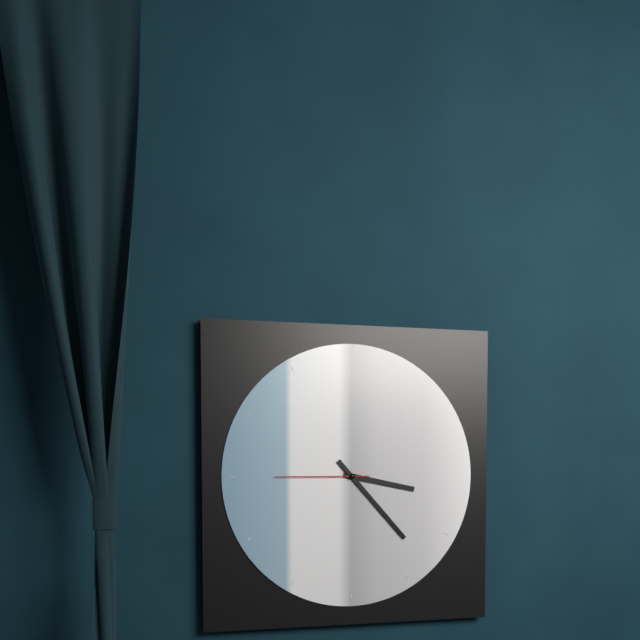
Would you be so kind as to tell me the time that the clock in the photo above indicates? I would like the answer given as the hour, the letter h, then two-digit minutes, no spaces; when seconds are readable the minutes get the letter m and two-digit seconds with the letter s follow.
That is 3h23m45s
